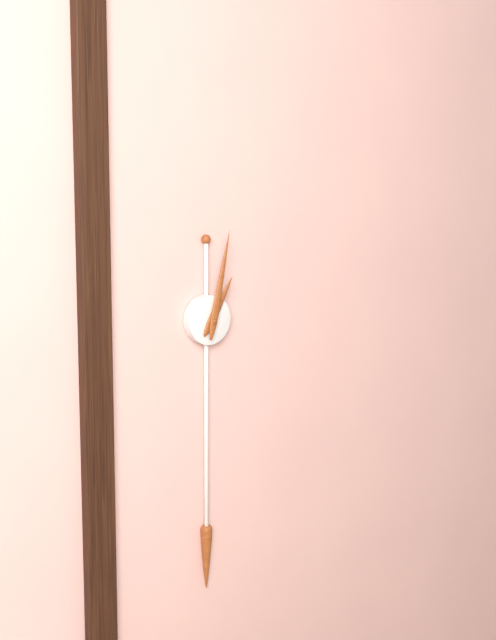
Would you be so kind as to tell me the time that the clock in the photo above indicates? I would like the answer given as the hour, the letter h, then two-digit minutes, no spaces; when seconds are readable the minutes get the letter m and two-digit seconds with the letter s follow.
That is 1h02
